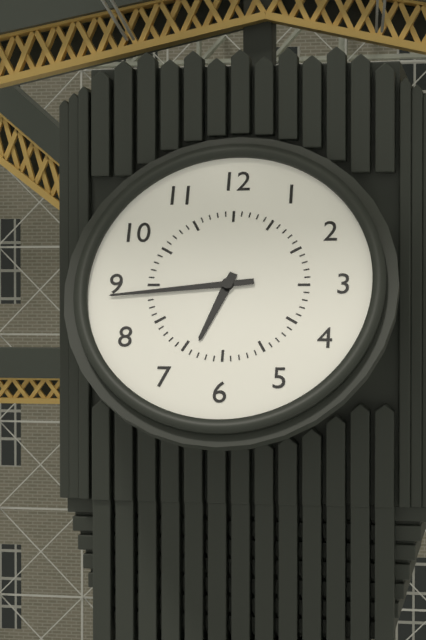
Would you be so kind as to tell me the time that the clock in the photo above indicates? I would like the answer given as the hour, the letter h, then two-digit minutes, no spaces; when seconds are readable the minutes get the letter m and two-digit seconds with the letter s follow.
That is 6h44
